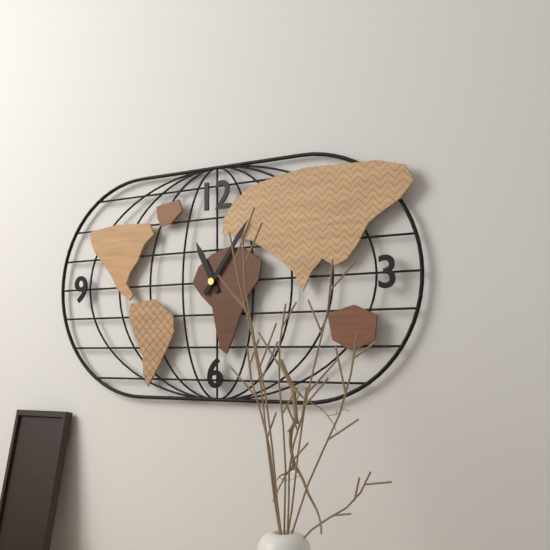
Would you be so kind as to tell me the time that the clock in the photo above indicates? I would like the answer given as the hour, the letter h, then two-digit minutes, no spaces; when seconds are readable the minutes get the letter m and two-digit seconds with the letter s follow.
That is 11h06
